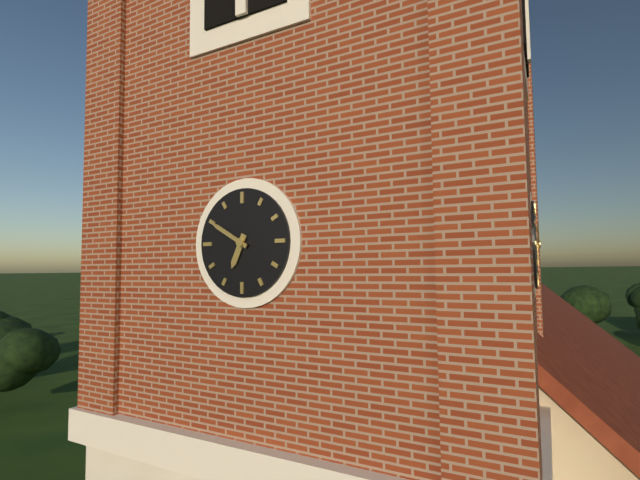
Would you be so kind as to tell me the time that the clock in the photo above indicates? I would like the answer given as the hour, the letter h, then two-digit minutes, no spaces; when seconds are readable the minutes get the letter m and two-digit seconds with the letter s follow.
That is 6h50
